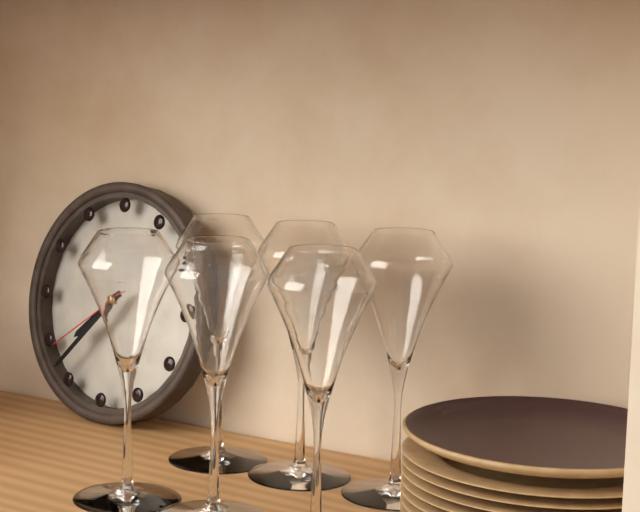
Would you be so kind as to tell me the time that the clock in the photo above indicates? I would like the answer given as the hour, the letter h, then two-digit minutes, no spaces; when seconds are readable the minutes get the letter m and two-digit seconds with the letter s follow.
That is 7h37m39s
